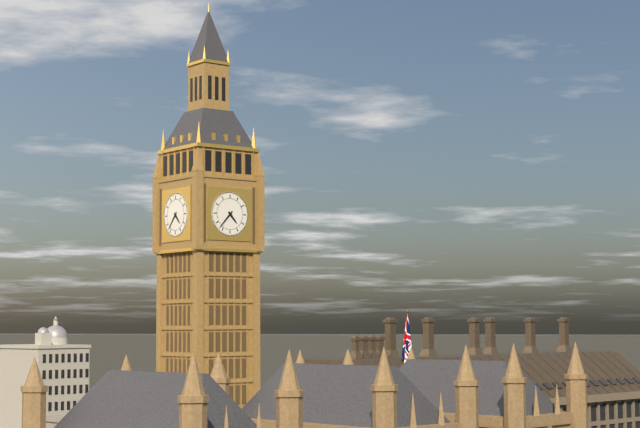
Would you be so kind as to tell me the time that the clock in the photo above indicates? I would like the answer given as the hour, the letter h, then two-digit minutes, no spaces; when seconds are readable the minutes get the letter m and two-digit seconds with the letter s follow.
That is 4h37
